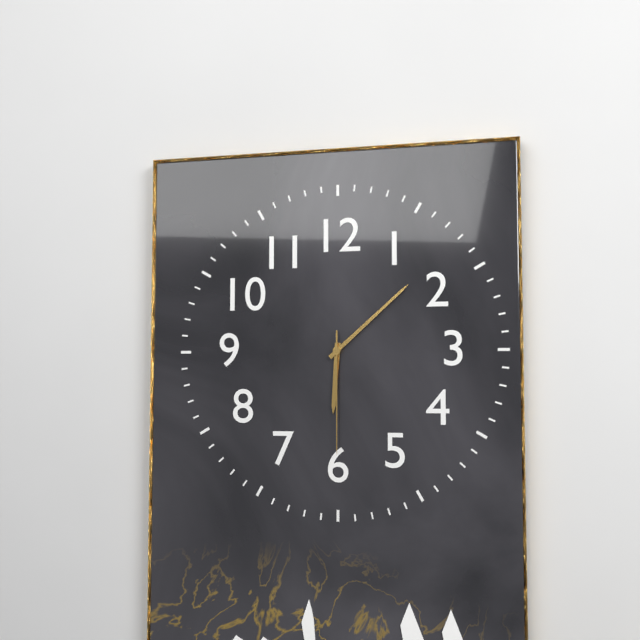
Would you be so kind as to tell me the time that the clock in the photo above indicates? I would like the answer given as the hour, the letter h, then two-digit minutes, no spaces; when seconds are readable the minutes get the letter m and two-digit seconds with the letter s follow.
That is 6h08m30s
